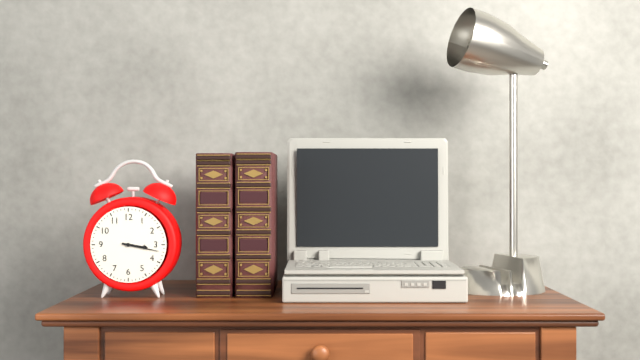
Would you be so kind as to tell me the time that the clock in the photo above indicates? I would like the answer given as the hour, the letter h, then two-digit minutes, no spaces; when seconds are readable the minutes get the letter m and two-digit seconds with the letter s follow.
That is 3h17
